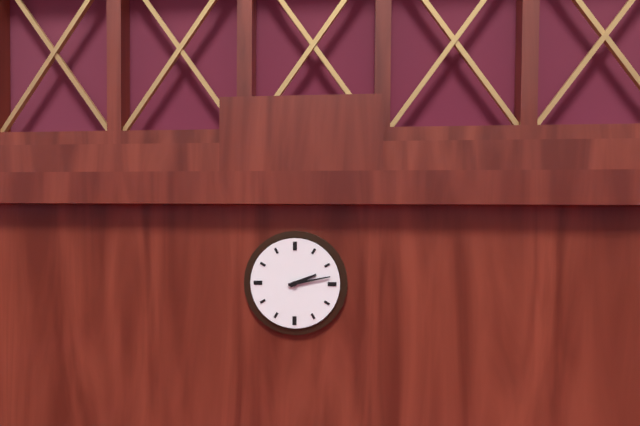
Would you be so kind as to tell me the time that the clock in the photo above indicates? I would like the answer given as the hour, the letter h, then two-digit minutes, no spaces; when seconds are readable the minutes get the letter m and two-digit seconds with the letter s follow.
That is 2h13
